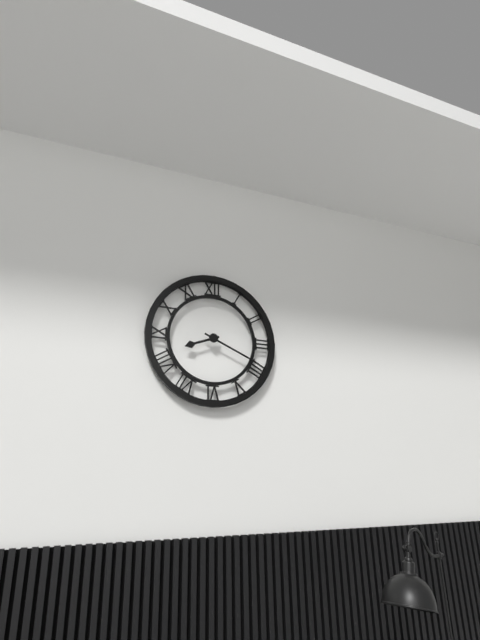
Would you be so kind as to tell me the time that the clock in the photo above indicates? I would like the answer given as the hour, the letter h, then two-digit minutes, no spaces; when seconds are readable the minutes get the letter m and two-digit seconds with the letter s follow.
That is 8h19
